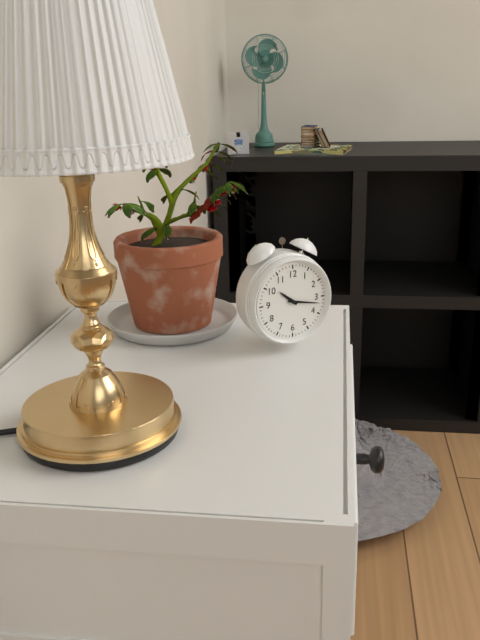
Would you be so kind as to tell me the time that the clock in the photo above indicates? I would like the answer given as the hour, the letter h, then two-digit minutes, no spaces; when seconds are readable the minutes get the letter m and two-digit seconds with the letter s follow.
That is 10h17
